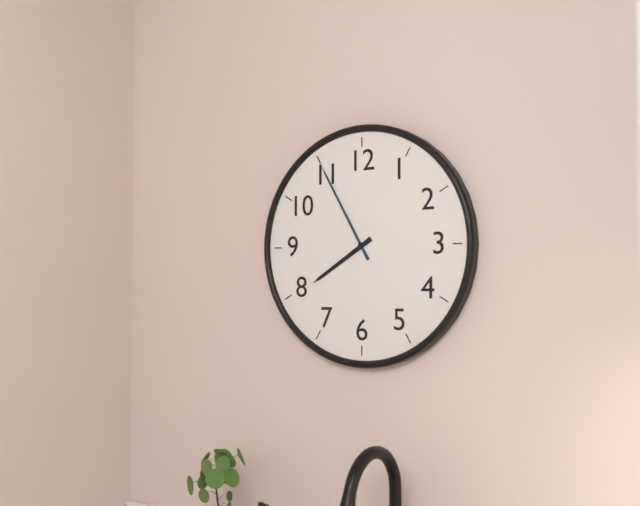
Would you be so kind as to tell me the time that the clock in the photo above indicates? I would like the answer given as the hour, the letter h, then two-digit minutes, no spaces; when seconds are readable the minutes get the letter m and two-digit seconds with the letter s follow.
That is 7h55
